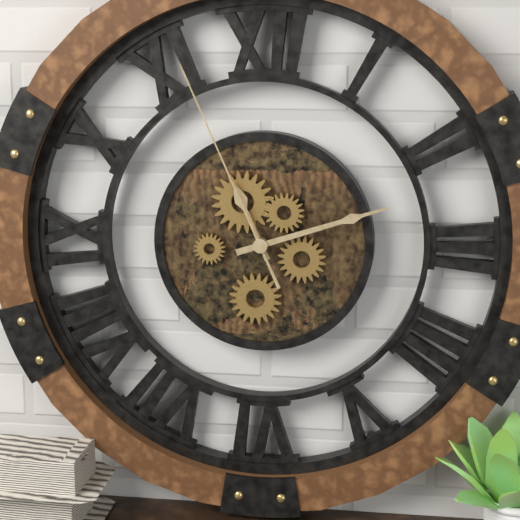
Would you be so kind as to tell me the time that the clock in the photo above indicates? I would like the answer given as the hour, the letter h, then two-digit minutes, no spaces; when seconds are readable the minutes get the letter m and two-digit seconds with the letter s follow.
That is 11h12m56s
